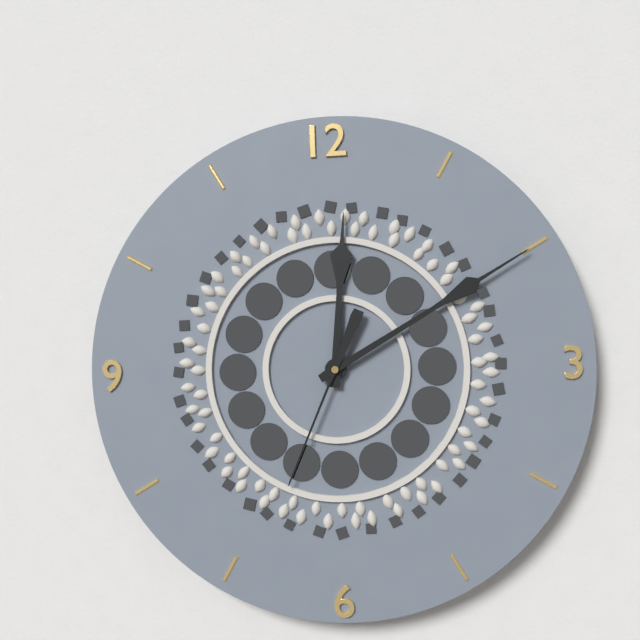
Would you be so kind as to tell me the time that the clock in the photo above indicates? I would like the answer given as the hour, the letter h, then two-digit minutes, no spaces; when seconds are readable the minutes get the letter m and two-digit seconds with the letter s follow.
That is 12h10m34s
